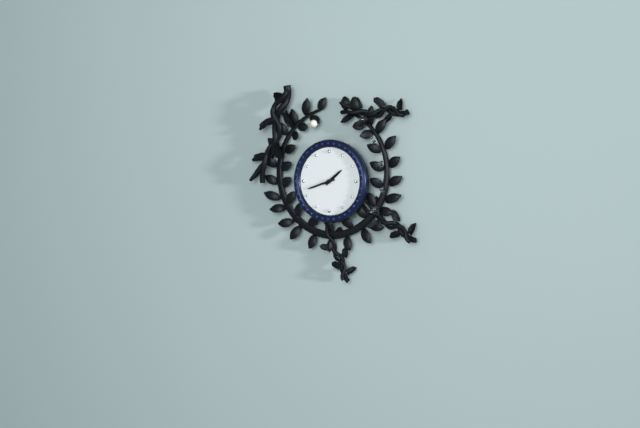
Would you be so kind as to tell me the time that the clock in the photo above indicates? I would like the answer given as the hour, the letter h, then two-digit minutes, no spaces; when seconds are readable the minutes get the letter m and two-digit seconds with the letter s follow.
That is 1h42
